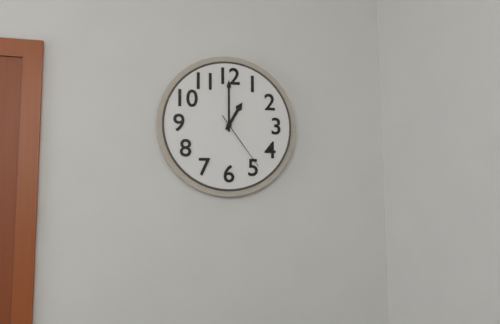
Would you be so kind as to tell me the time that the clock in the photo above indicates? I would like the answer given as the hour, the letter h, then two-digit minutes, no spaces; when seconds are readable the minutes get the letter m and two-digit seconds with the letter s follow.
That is 1h00m24s
